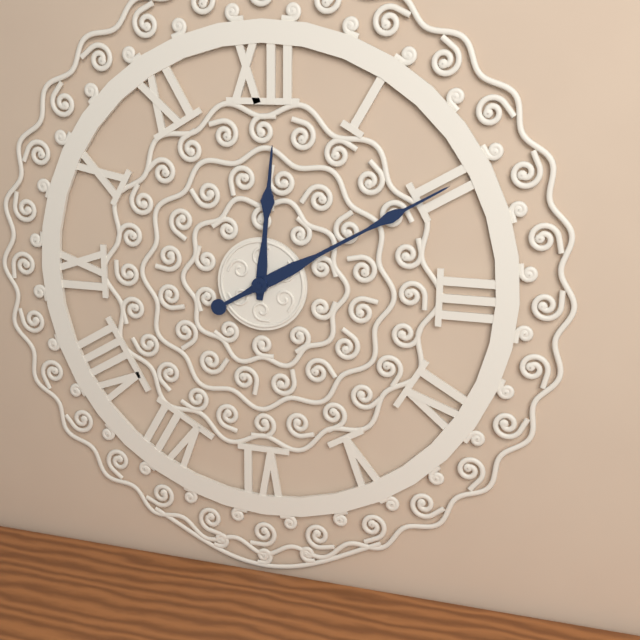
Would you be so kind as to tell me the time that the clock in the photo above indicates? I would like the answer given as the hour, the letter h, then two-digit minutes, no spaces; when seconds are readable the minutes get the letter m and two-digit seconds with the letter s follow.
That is 12h10
